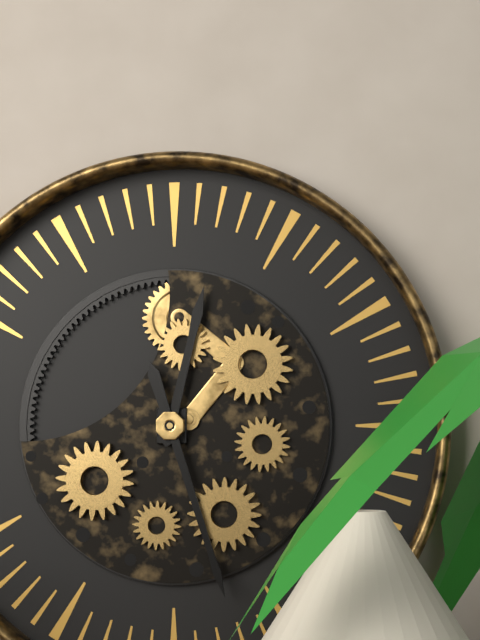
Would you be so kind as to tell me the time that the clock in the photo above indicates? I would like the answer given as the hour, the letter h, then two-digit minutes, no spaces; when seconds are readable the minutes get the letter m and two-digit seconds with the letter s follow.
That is 12h27
